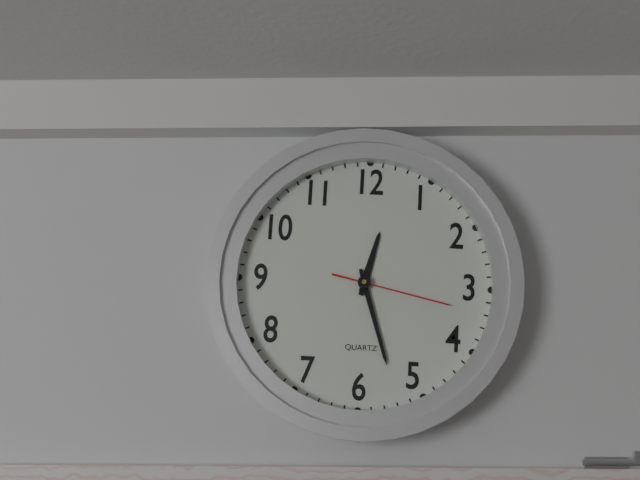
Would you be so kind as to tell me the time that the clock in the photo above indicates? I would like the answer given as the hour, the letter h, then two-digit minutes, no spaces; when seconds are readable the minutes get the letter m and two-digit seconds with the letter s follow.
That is 12h27m17s
